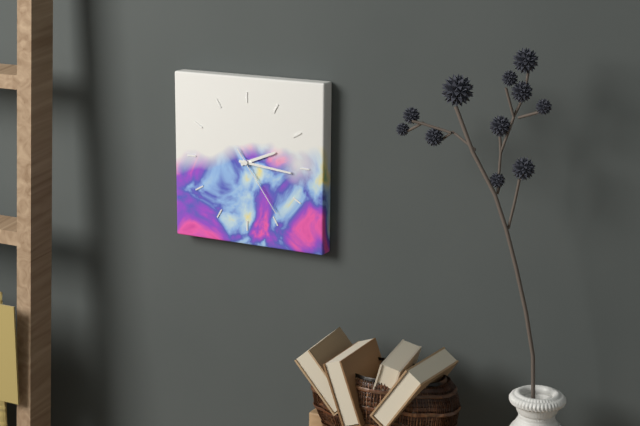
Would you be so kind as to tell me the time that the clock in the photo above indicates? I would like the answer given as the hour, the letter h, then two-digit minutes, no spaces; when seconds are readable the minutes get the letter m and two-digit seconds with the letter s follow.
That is 2h16m24s
